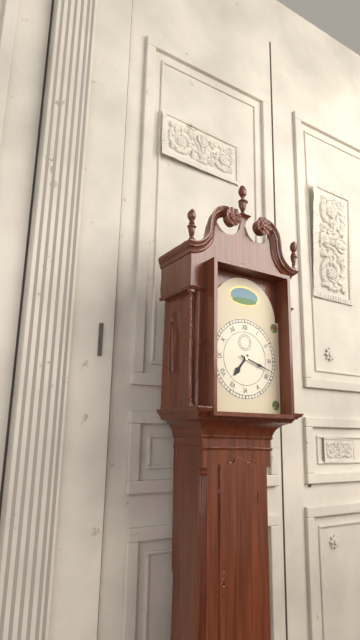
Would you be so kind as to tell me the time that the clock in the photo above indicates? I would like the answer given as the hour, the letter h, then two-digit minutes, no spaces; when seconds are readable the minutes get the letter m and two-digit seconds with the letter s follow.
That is 7h18
